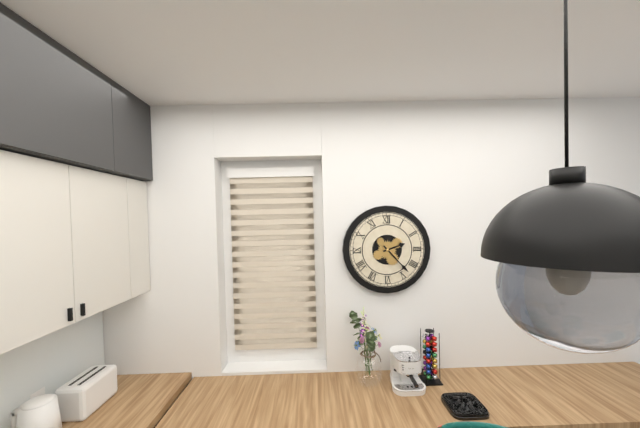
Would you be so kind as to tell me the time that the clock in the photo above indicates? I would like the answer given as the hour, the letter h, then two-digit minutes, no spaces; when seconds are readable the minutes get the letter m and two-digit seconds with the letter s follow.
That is 2h23
